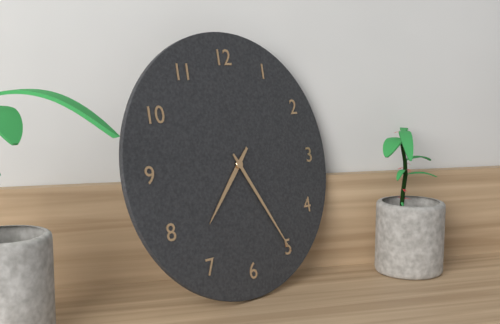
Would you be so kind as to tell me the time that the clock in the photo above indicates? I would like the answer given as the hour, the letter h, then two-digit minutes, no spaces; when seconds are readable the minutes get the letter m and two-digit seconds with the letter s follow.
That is 7h25
